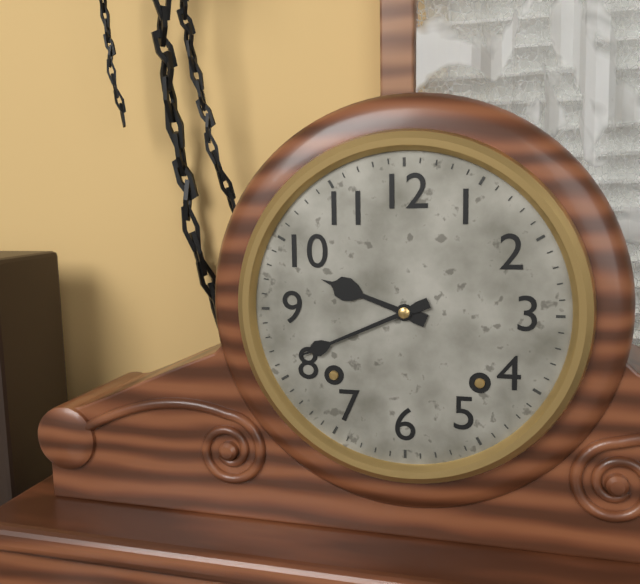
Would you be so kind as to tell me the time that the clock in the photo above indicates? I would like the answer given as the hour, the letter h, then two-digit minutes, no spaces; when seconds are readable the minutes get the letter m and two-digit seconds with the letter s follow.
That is 9h41
